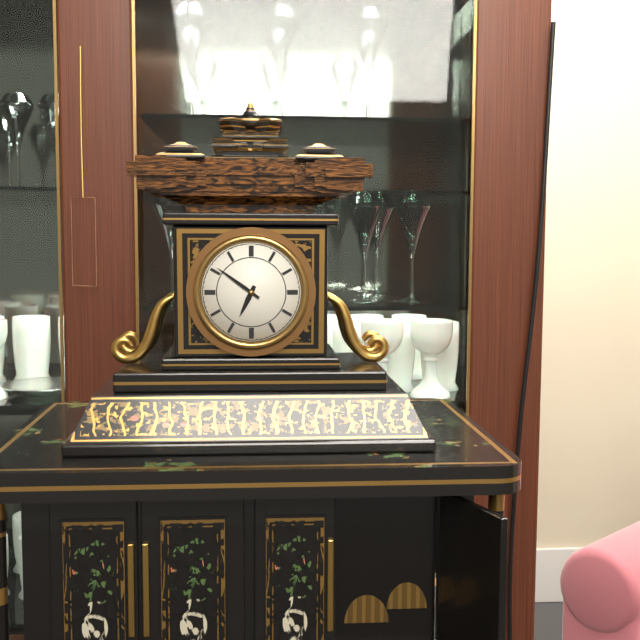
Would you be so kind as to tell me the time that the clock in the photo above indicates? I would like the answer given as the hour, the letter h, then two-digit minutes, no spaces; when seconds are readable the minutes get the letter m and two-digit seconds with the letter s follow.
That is 6h51
